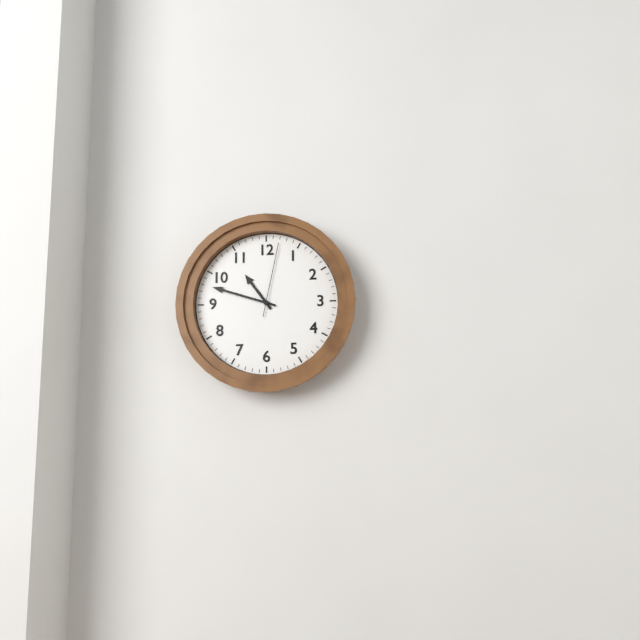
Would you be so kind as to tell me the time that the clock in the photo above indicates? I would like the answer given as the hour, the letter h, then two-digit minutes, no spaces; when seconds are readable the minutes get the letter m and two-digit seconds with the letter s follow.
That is 10h48m02s
